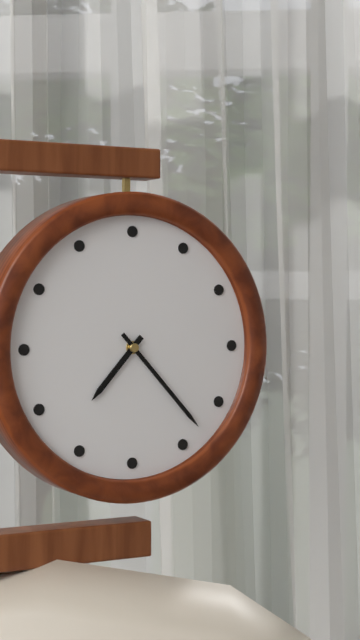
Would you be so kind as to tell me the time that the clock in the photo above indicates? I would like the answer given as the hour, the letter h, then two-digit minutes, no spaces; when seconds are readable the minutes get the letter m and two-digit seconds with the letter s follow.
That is 7h23
